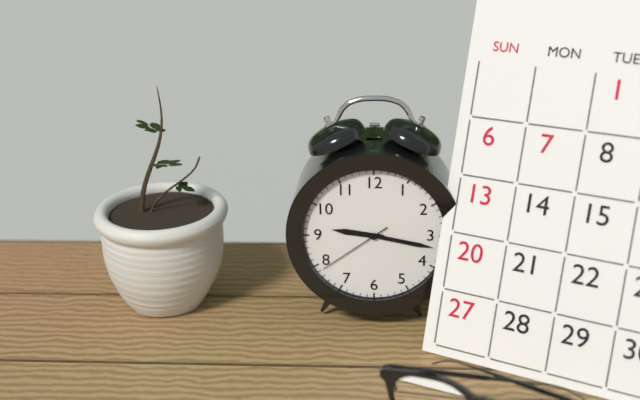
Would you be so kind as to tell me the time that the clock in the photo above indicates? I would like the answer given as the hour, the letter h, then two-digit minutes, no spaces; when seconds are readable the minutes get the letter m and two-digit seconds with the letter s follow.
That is 9h17m39s
